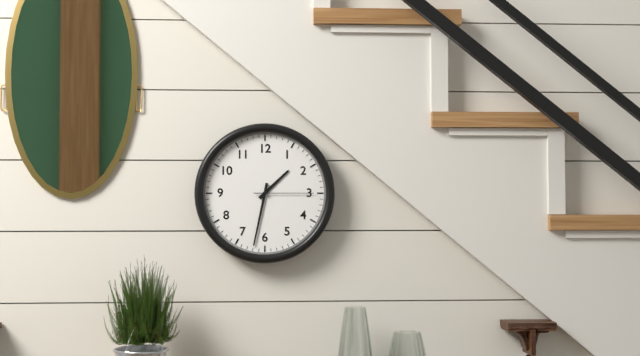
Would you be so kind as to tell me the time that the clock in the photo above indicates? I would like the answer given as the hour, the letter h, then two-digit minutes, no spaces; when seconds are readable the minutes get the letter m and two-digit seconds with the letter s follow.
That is 1h32m15s
